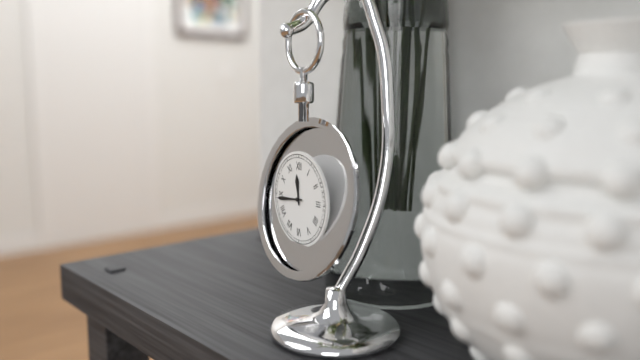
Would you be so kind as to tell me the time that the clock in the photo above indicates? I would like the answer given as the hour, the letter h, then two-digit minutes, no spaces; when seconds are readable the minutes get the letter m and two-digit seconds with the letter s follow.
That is 11h44
